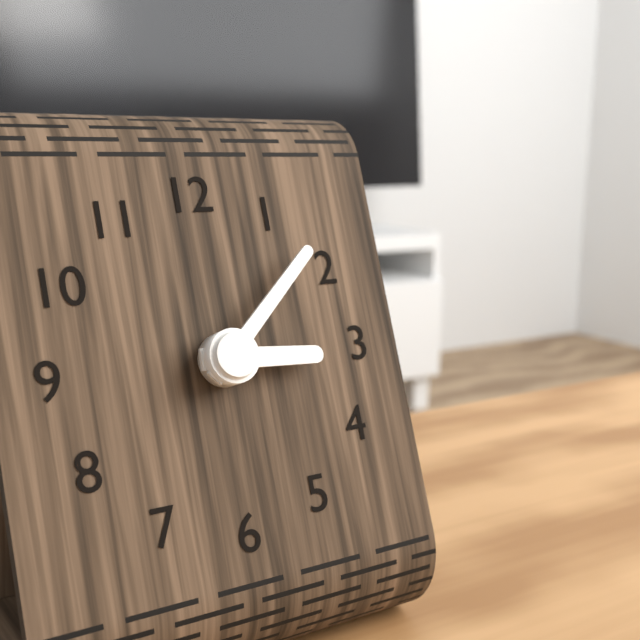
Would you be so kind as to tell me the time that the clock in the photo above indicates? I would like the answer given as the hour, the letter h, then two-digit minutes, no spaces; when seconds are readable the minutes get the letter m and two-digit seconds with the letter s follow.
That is 3h08
